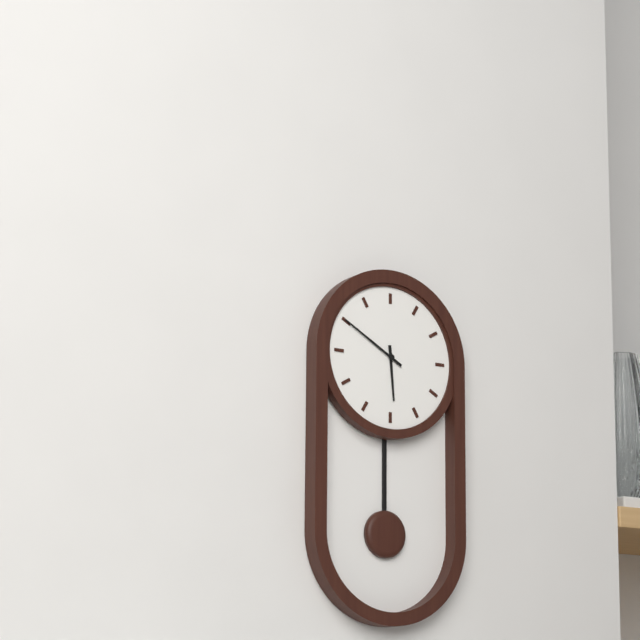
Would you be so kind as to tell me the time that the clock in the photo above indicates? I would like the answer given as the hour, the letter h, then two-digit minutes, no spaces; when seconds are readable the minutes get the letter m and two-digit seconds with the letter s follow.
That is 5h50
